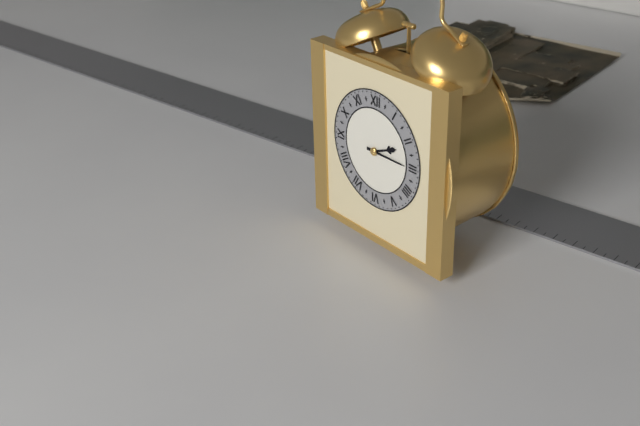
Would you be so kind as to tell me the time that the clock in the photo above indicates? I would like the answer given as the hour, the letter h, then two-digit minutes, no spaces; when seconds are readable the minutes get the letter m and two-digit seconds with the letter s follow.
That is 2h15
